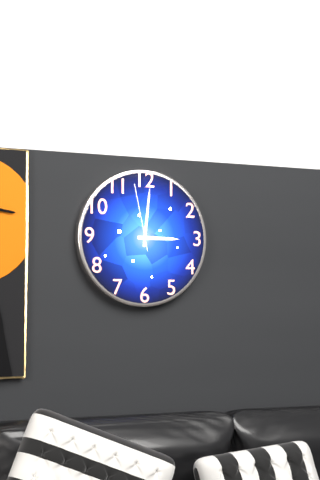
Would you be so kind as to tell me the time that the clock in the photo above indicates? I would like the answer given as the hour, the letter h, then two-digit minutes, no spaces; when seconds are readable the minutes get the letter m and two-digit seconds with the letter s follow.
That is 3h01m58s
